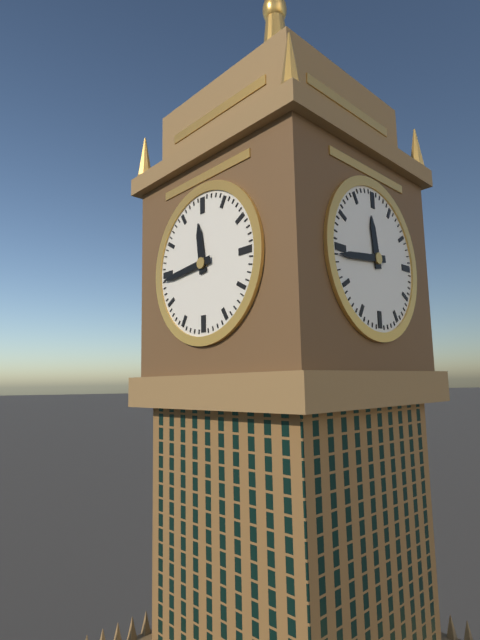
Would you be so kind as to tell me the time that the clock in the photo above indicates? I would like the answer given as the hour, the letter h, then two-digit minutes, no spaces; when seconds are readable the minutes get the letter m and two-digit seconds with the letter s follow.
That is 11h44
